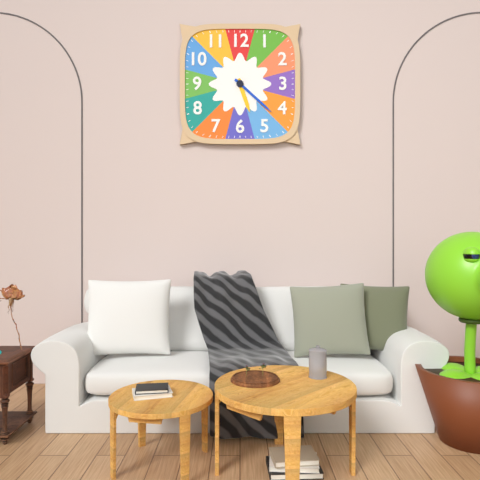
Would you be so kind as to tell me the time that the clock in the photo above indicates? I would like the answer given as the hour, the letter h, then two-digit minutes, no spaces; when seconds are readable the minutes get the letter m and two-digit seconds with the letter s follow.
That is 5h22
